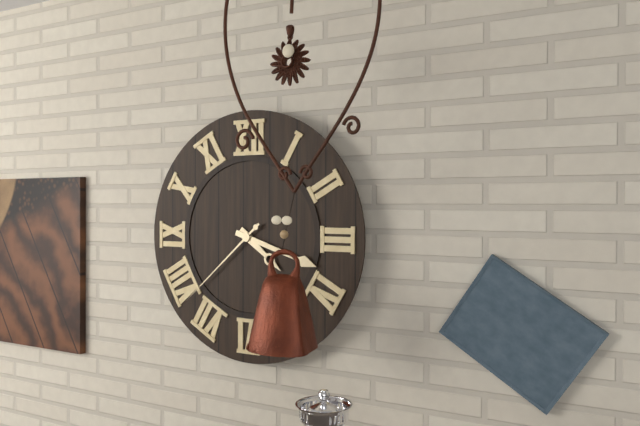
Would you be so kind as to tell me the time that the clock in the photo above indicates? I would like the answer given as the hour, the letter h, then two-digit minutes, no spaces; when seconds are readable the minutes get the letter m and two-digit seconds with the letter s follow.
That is 4h18m38s
